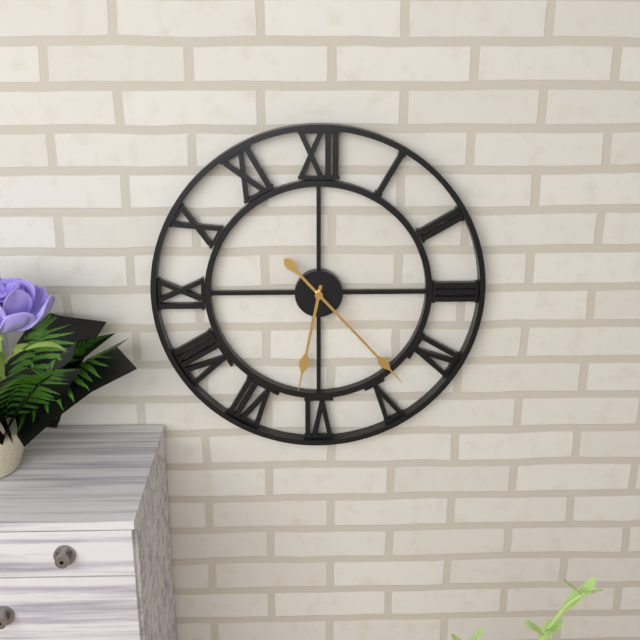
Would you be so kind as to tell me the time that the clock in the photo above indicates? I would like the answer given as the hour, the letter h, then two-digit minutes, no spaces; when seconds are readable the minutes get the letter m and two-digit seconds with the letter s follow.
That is 6h23
